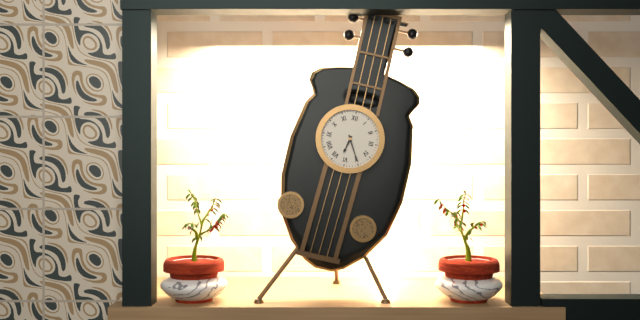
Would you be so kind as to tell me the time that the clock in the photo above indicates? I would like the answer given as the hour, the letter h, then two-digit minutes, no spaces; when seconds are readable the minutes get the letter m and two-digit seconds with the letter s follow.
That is 6h25
